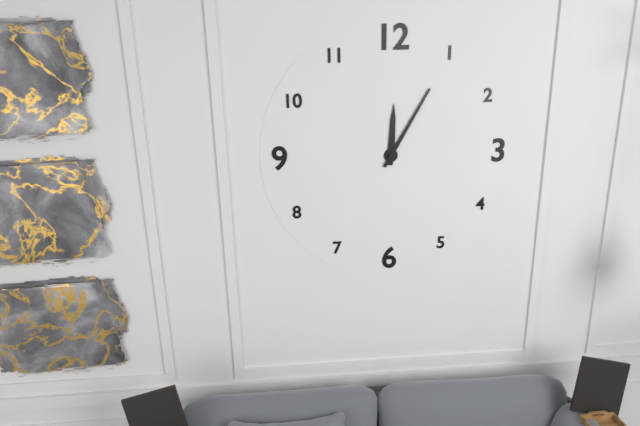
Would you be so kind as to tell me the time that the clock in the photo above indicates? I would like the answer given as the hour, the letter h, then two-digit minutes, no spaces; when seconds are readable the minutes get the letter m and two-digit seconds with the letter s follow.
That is 12h05
